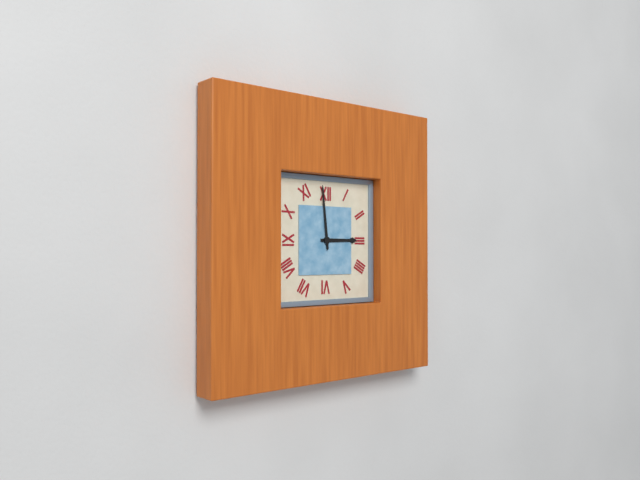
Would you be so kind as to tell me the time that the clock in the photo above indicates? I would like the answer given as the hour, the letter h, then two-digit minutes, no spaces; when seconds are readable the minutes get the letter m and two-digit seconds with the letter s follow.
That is 2h59
